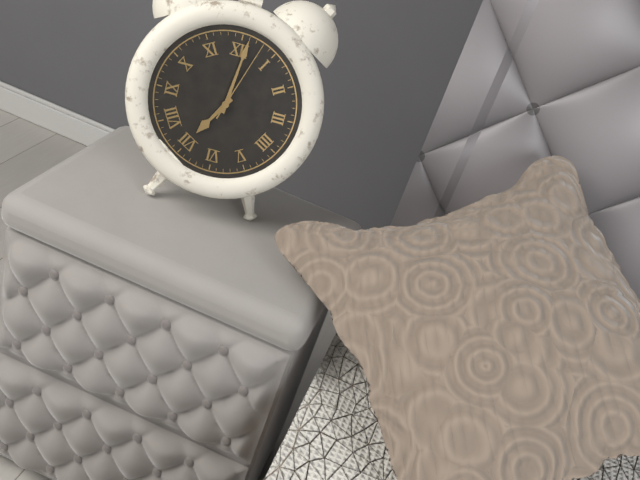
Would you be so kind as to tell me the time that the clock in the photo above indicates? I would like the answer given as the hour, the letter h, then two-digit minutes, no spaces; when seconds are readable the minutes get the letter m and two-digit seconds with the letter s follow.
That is 7h01m03s
